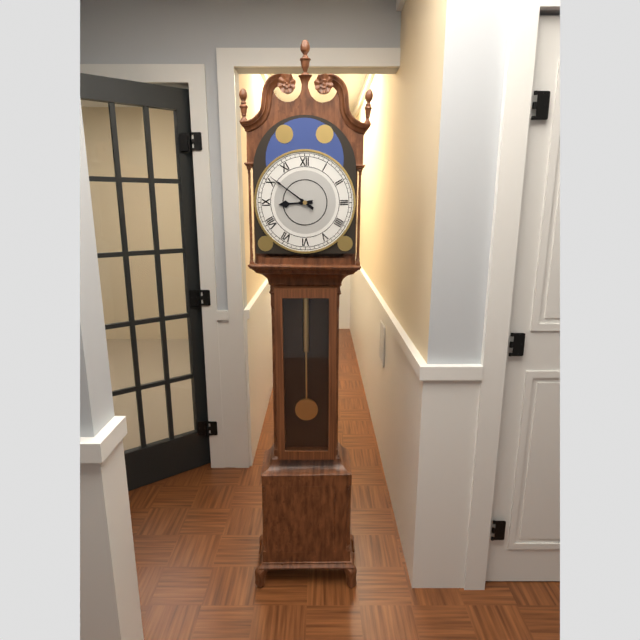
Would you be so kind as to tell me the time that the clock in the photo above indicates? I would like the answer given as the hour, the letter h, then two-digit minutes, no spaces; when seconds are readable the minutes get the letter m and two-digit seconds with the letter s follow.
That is 8h51
